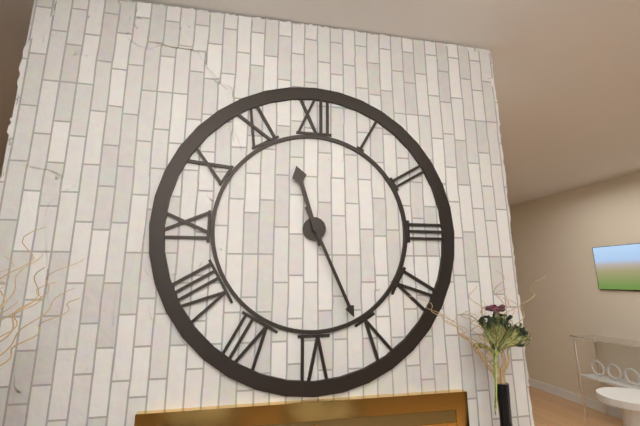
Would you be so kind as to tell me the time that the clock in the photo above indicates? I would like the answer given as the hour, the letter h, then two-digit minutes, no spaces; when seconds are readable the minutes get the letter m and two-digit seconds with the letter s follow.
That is 11h26
